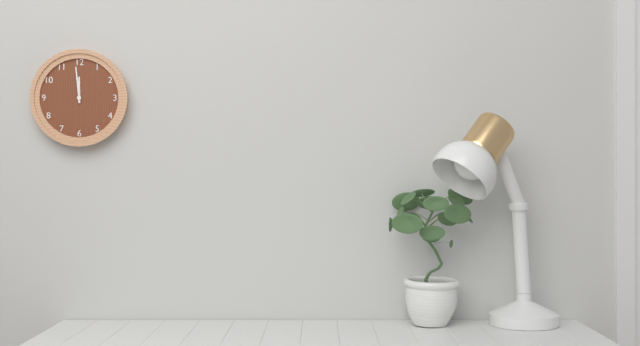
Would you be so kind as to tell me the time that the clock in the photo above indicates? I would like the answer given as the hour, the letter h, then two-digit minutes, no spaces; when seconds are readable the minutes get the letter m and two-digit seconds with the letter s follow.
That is 11h59
